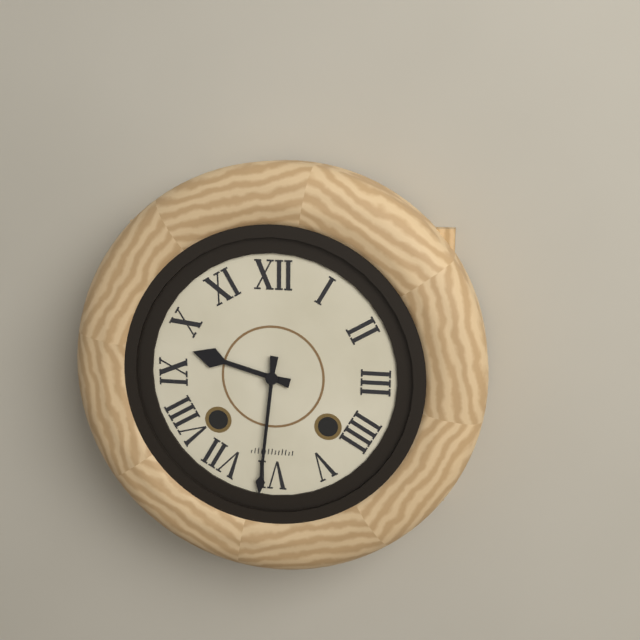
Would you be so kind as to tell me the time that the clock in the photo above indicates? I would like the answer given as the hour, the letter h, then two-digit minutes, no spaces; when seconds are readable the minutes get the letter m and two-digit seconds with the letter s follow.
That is 9h31
